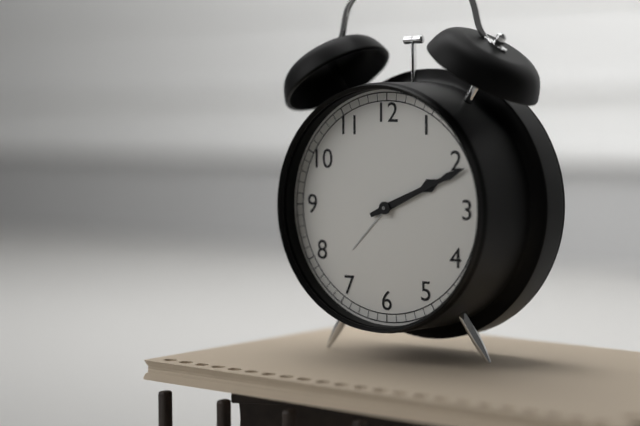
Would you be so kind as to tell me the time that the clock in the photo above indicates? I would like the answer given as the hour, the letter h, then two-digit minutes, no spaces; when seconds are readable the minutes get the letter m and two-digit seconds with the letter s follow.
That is 2h11
